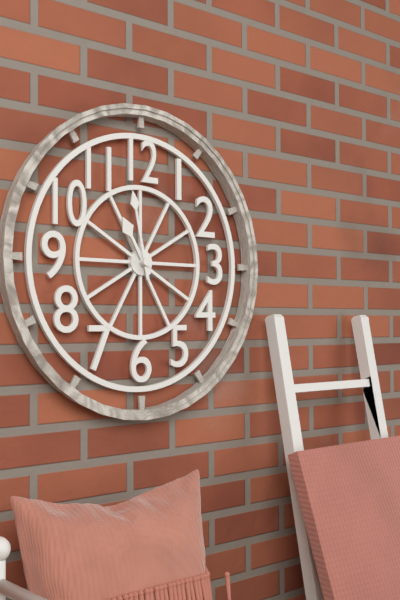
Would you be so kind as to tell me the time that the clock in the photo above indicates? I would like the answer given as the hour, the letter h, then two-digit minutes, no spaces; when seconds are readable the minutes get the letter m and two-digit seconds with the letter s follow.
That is 10h58
